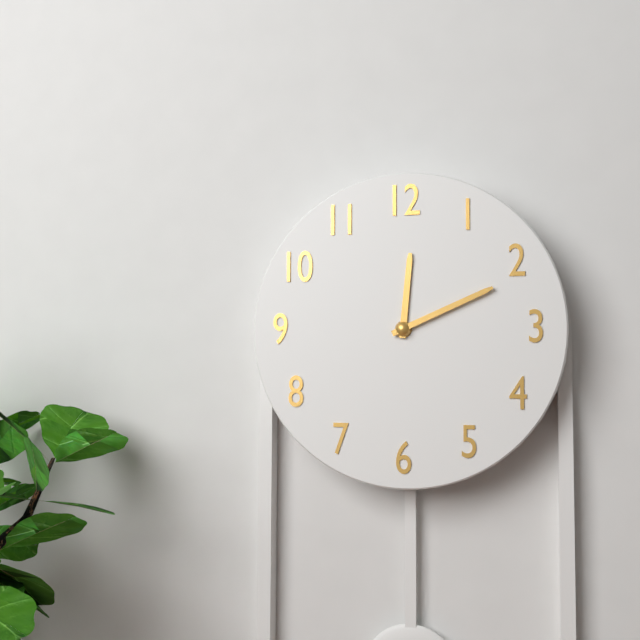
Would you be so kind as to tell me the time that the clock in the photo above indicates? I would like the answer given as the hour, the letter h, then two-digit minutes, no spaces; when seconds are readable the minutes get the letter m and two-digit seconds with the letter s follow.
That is 12h11
